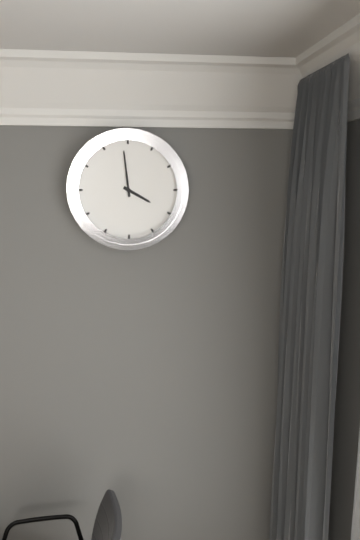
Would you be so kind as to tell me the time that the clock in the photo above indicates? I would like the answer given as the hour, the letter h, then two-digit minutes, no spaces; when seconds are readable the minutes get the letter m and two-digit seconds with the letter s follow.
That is 3h59
